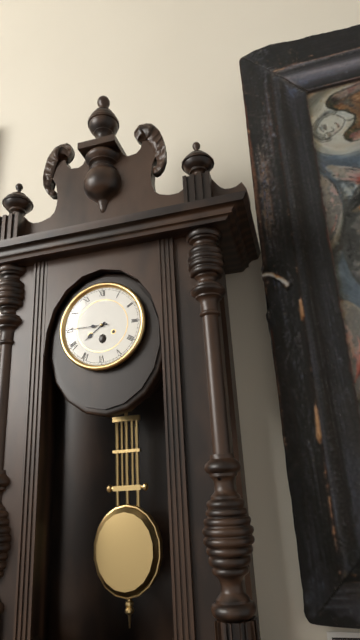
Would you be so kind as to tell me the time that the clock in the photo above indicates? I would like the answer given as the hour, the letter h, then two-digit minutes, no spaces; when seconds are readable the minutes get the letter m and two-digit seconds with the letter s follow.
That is 7h45
